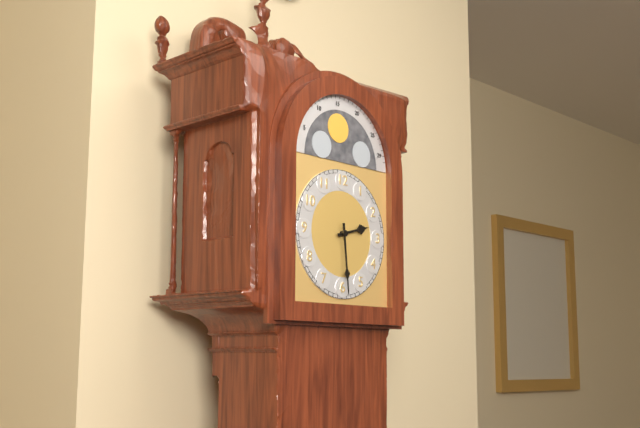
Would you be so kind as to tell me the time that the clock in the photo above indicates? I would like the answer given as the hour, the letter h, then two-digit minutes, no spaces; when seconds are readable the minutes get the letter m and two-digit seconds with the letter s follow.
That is 2h29
